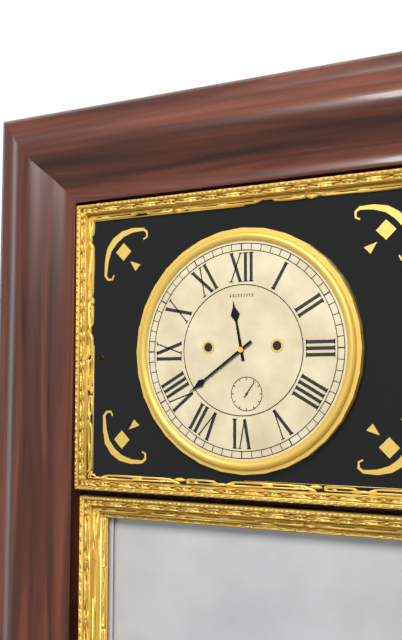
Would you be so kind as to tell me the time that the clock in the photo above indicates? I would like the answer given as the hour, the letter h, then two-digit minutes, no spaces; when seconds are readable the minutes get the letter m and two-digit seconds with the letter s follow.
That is 11h39
